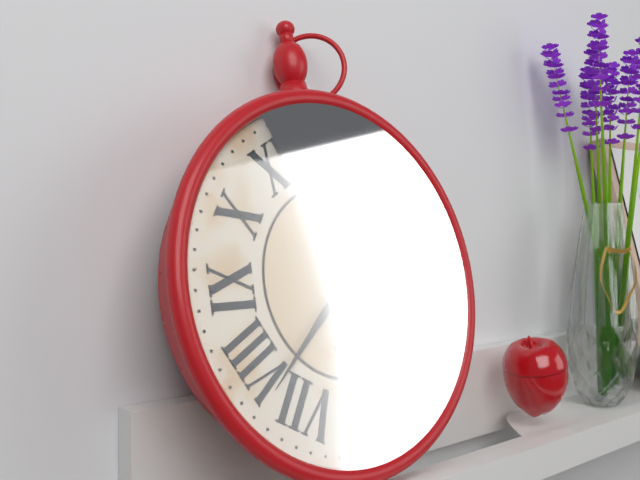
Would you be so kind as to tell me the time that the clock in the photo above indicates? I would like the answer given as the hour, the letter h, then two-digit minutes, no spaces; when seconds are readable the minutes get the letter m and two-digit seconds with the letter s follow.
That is 12h38
